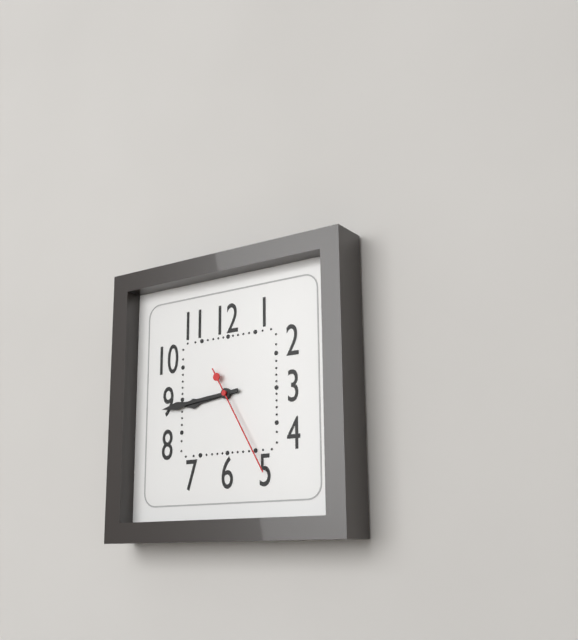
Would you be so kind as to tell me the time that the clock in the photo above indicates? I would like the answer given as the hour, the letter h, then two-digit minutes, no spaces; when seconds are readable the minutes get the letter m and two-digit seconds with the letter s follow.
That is 8h44m25s
